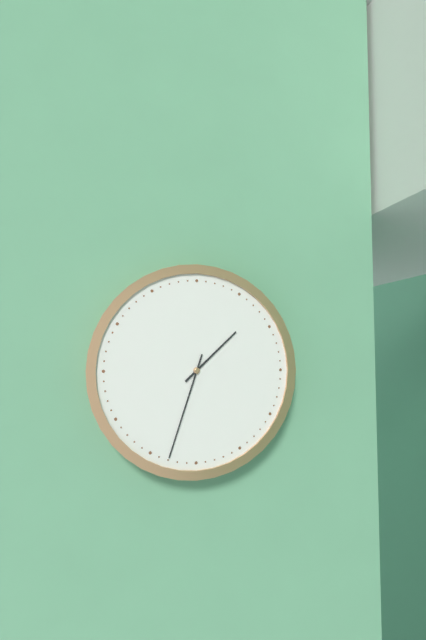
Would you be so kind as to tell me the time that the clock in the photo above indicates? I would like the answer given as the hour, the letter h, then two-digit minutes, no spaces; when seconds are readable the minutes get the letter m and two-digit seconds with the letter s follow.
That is 1h33
